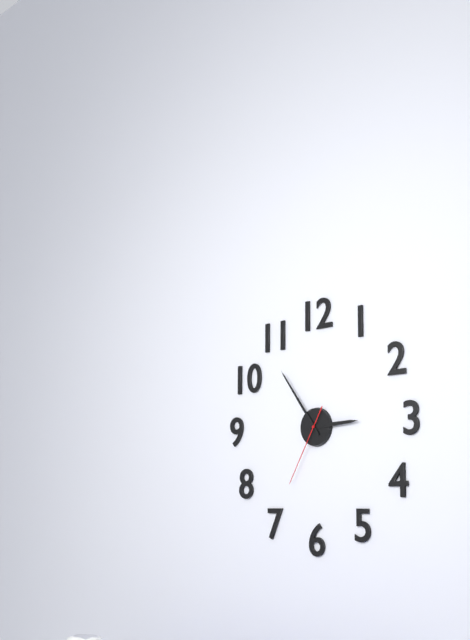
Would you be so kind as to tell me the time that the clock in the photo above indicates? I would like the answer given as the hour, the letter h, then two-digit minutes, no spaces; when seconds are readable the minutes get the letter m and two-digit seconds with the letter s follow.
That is 2h54m35s
